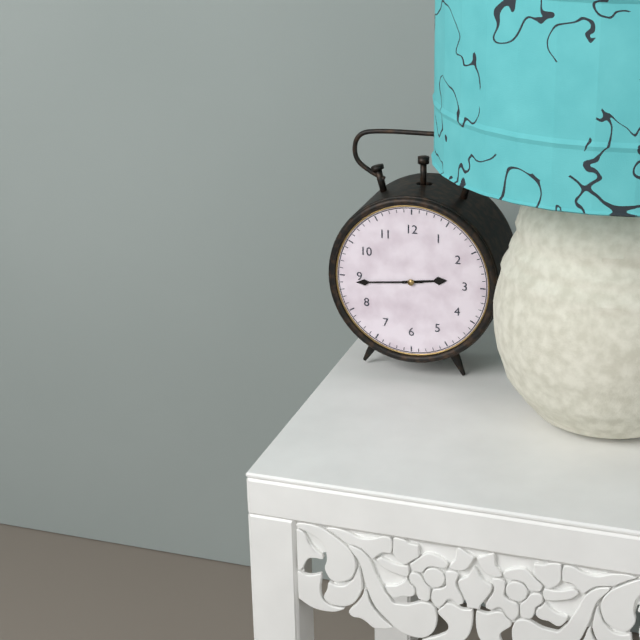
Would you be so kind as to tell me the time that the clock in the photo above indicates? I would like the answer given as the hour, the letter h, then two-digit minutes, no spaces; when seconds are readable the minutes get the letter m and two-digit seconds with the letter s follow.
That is 2h44
